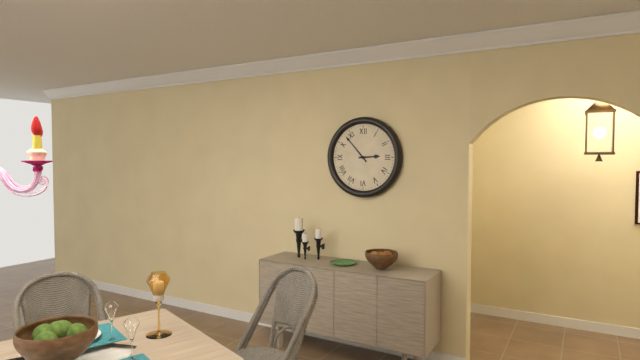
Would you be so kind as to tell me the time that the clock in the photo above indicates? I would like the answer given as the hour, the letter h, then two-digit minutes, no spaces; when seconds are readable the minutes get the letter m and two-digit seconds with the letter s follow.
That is 2h53
